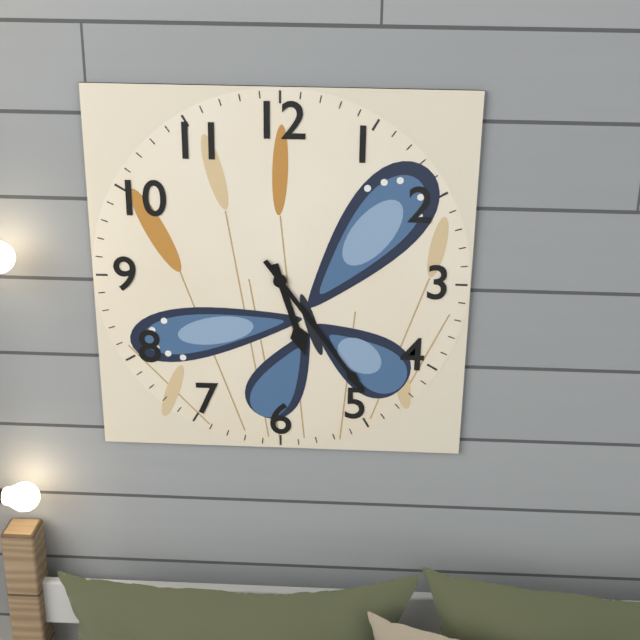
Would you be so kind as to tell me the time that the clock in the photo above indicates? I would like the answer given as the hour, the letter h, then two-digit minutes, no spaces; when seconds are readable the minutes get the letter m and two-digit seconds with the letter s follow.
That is 5h24
